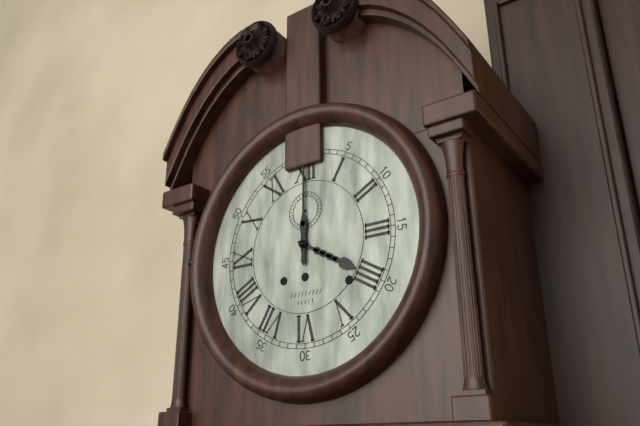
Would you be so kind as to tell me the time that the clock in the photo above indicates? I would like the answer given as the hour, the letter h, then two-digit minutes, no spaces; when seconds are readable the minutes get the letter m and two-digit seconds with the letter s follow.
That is 4h00
